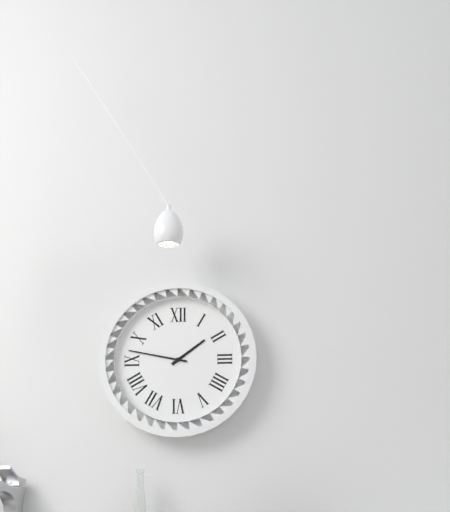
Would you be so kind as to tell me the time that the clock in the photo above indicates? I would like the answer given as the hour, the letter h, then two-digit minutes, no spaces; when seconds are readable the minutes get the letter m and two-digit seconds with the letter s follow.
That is 1h47
